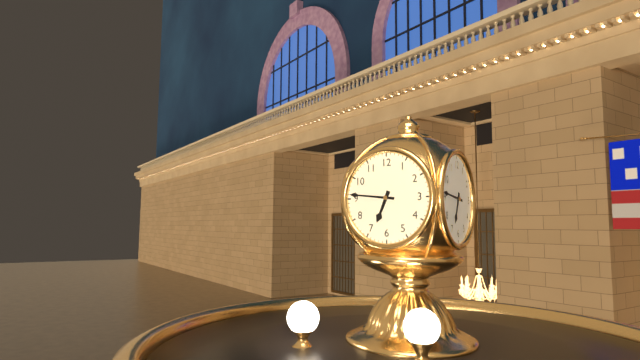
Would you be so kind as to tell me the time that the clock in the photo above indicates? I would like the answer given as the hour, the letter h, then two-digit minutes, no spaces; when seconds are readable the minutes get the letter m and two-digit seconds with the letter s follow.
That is 6h46
